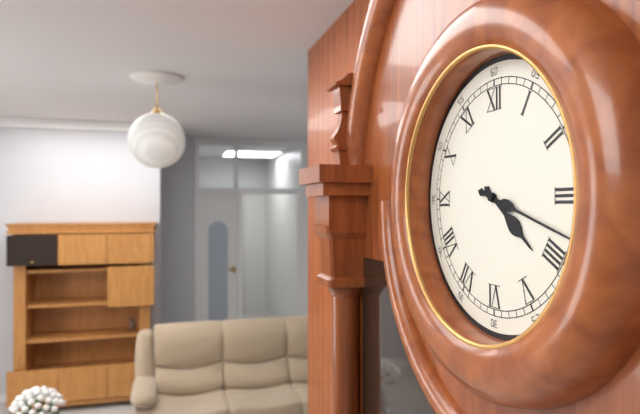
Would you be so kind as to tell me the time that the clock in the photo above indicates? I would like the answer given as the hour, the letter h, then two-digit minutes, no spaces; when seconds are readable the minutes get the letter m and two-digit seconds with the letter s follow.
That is 4h18
